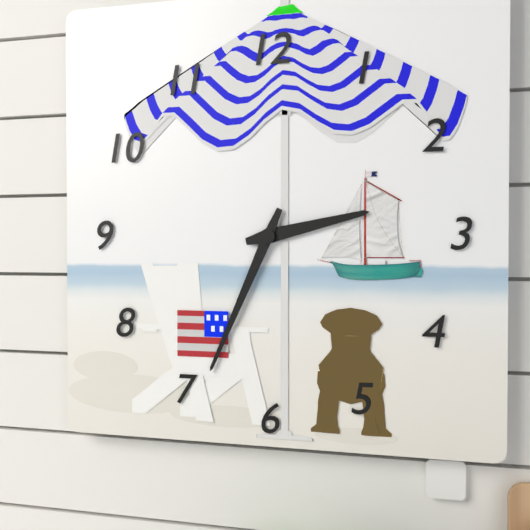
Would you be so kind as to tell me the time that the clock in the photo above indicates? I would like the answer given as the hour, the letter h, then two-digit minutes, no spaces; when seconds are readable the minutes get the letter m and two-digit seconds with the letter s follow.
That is 2h34
